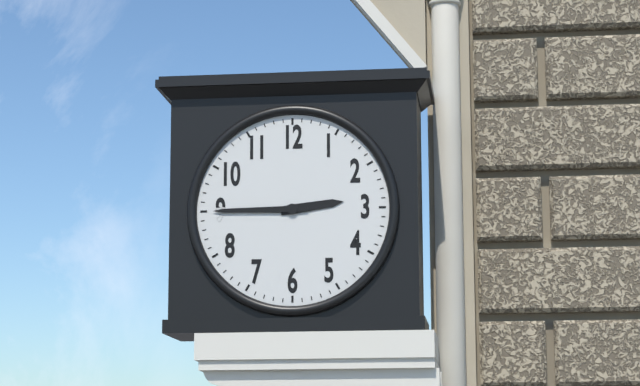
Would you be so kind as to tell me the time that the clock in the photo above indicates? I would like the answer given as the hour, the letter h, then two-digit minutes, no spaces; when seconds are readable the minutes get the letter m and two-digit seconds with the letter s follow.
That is 2h45
